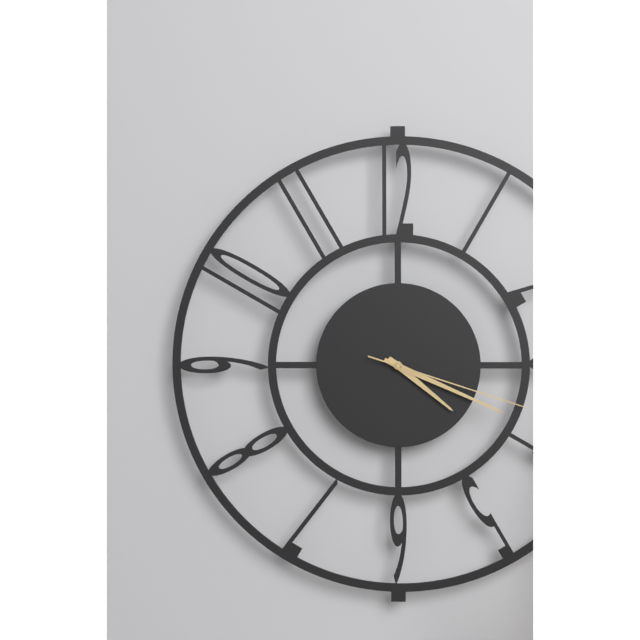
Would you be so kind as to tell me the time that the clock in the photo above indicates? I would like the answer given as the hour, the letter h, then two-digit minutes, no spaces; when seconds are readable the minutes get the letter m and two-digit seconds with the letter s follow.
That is 4h19m18s
